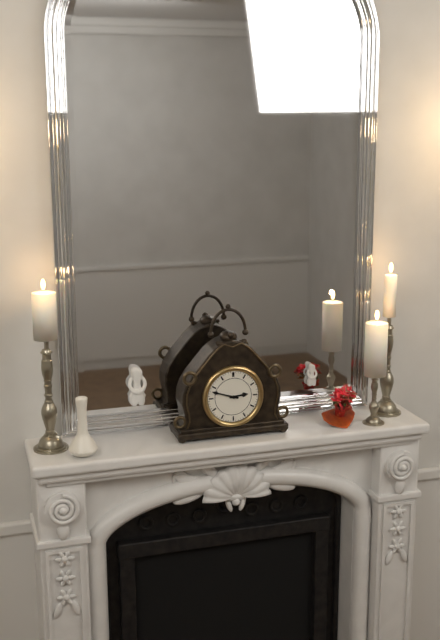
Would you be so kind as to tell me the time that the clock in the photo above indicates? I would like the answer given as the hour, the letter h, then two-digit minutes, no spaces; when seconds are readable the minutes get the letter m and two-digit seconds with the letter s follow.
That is 2h48
